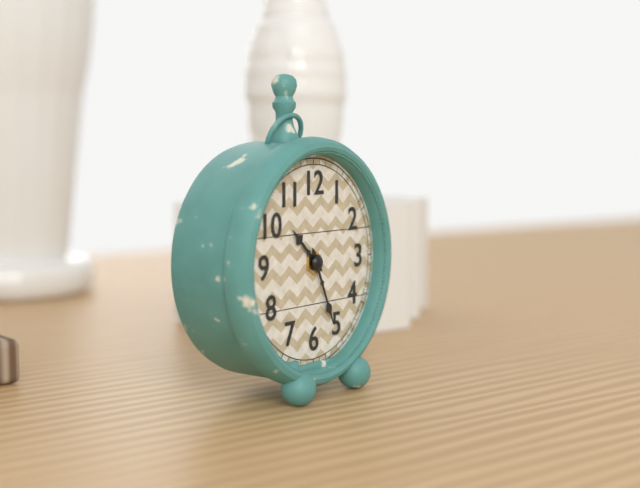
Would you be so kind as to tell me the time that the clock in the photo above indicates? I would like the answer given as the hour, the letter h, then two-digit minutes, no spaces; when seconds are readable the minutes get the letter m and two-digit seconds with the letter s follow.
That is 10h26
